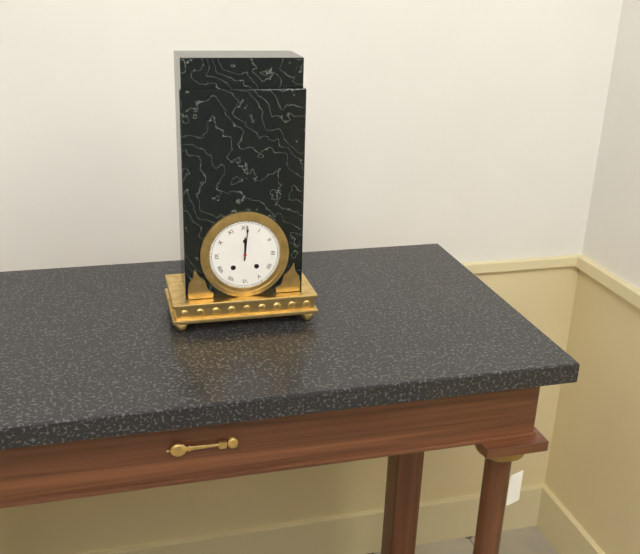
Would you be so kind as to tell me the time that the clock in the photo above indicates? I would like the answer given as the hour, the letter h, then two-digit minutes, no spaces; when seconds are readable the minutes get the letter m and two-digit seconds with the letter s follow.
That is 12h01
